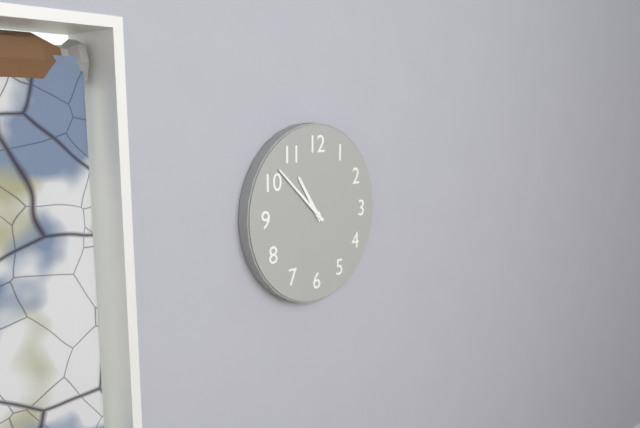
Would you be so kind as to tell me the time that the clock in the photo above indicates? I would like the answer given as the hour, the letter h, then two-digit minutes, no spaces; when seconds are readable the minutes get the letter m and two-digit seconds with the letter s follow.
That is 10h52
